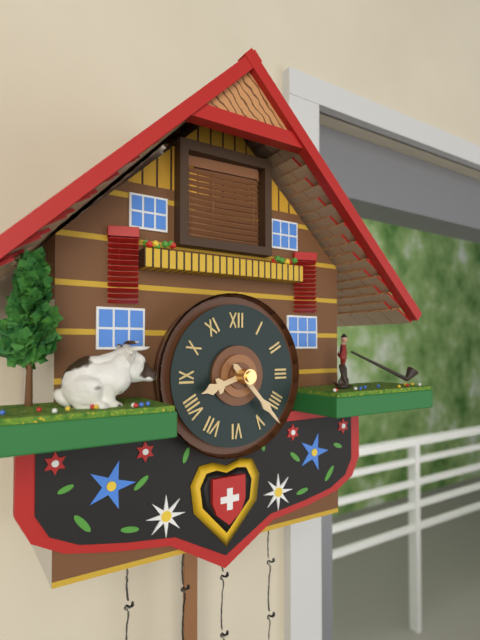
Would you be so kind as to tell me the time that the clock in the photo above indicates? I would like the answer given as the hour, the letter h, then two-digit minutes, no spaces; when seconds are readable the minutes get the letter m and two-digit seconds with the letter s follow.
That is 8h23
